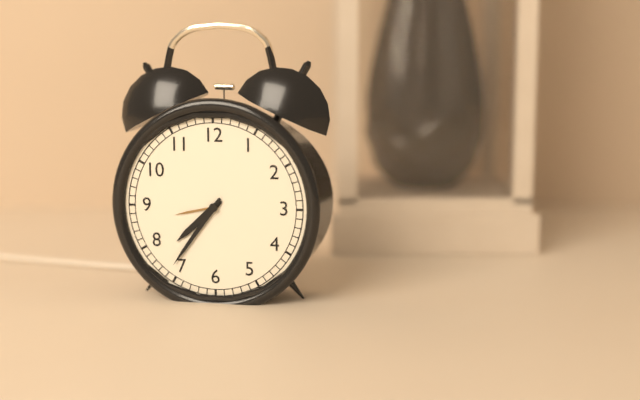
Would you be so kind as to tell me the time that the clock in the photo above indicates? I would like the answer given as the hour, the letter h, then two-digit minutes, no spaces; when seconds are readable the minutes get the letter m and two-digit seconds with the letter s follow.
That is 7h36
